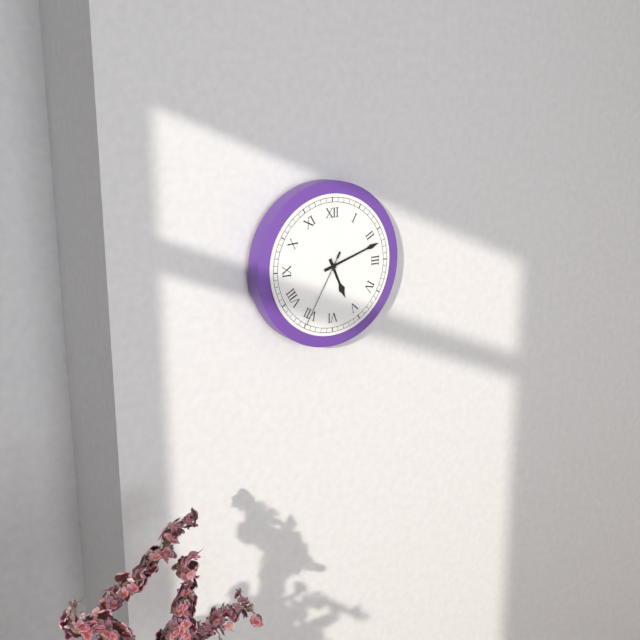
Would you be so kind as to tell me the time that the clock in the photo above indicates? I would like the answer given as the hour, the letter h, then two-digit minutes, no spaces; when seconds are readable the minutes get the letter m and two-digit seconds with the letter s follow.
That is 5h12m35s
